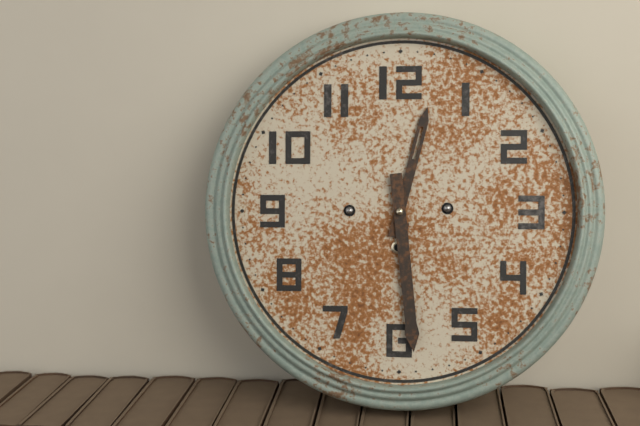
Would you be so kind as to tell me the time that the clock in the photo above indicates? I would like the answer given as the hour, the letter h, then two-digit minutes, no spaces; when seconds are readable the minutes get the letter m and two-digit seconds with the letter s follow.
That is 12h29
